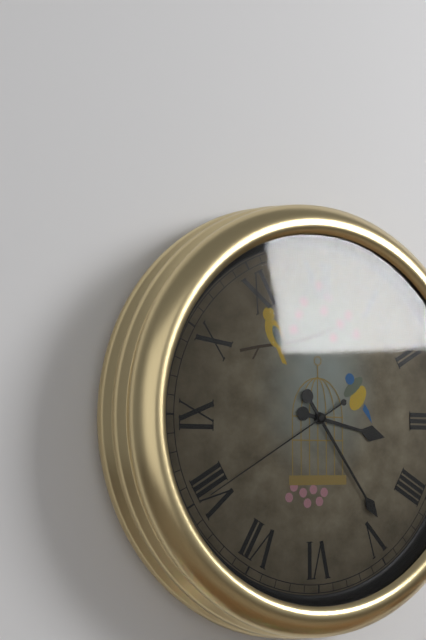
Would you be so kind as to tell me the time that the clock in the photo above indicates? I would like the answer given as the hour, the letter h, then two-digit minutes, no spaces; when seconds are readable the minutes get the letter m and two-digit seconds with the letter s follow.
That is 3h24m40s
